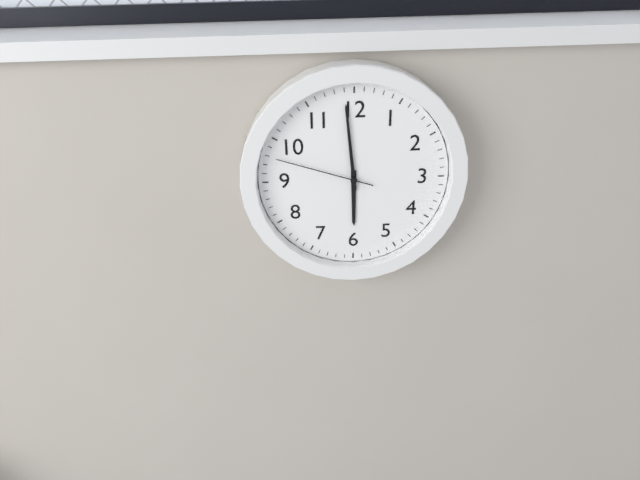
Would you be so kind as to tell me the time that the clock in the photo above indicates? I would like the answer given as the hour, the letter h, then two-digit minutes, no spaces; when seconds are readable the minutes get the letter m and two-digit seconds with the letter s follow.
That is 5h59m48s
